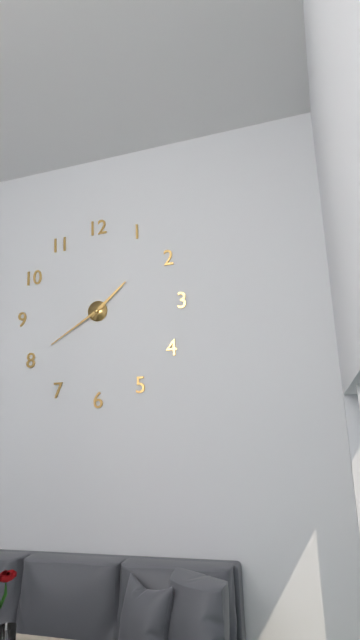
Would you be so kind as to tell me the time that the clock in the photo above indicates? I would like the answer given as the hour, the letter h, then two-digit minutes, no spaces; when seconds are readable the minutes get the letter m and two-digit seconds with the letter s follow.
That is 1h40
